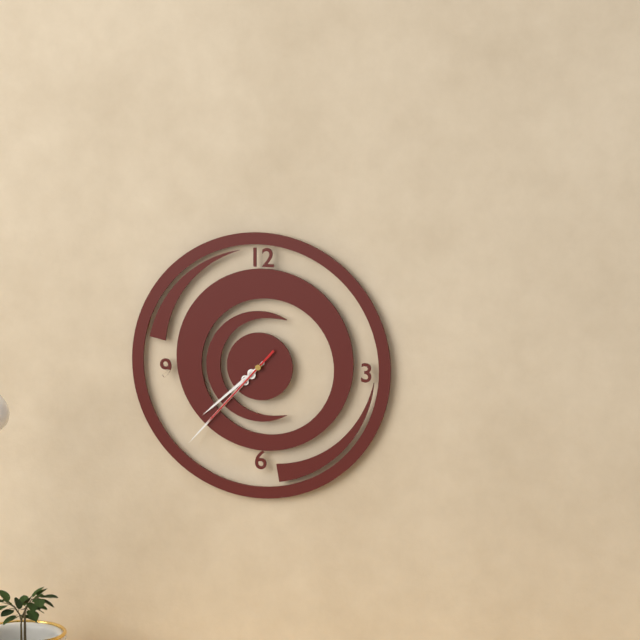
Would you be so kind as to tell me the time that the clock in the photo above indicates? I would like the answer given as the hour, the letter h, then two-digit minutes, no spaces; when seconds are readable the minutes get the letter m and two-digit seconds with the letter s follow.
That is 7h37m37s
